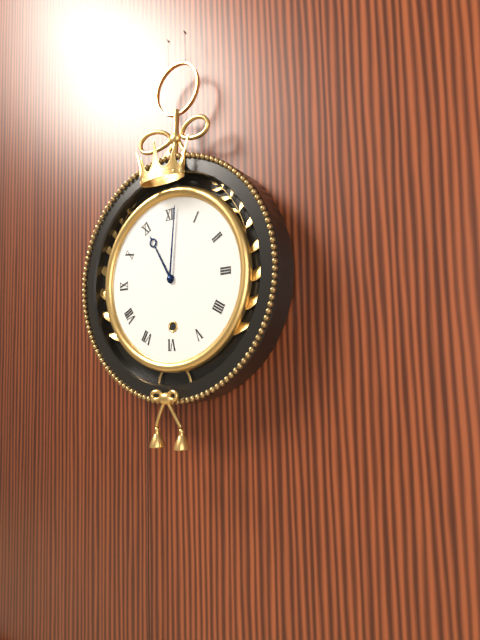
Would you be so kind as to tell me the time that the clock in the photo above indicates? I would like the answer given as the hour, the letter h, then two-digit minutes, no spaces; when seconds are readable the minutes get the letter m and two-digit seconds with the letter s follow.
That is 11h01
